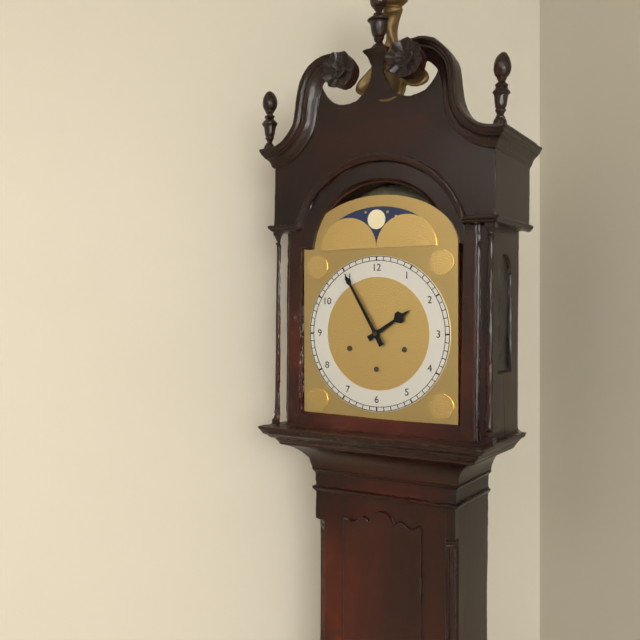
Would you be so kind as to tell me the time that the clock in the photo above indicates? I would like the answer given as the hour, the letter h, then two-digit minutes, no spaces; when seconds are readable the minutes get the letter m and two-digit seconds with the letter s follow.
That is 1h55
